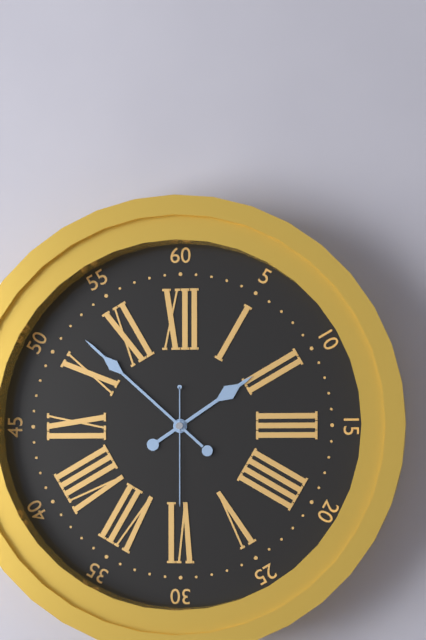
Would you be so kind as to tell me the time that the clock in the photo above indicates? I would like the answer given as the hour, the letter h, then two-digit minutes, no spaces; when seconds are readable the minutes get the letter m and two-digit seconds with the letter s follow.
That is 1h52m30s
